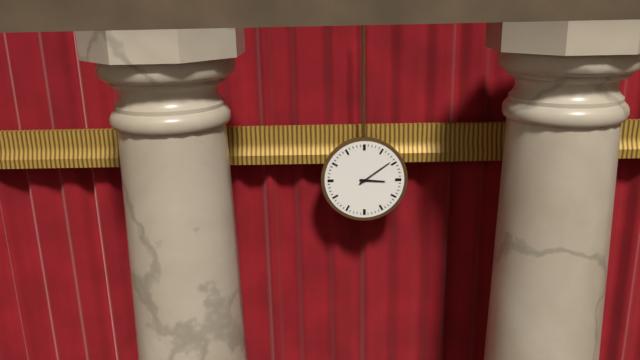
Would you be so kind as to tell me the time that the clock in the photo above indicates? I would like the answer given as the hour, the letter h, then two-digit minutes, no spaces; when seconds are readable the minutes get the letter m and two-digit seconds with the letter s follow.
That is 3h09
